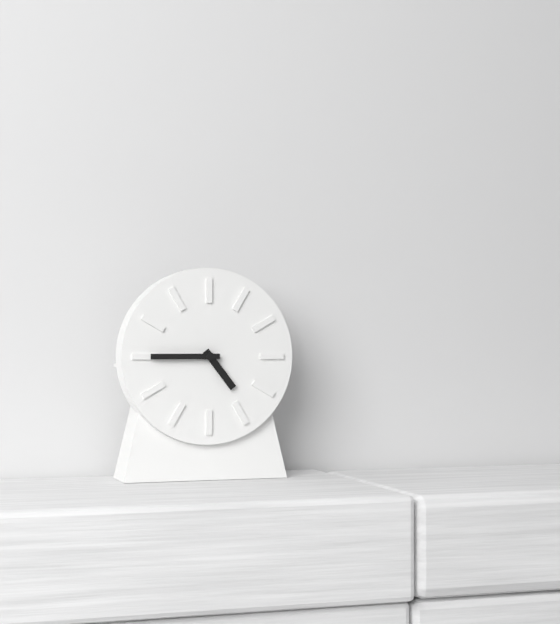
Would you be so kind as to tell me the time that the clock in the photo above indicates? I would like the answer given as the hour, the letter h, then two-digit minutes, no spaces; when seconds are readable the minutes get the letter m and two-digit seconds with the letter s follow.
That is 4h45
